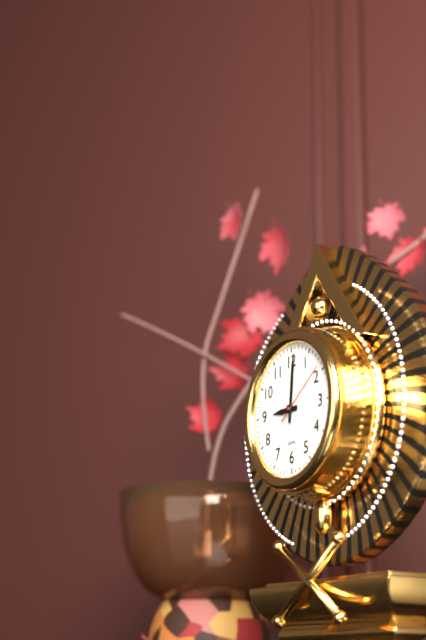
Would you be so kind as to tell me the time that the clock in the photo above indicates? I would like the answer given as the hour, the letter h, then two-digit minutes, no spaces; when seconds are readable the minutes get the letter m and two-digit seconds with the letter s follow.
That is 9h01m09s
